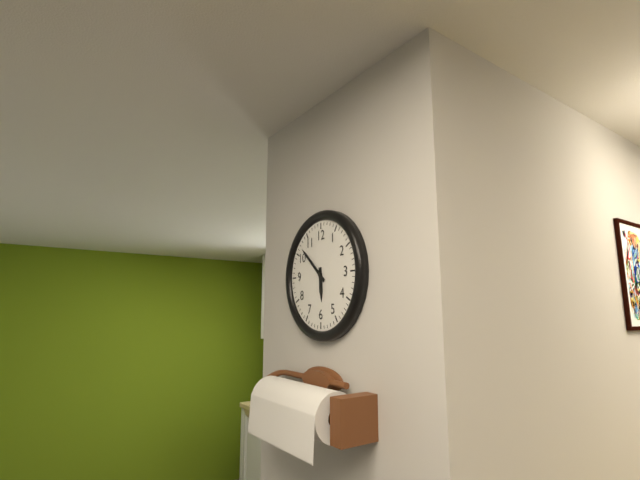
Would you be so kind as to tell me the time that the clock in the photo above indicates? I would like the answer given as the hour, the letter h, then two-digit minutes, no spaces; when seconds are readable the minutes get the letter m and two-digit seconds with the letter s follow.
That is 5h52
